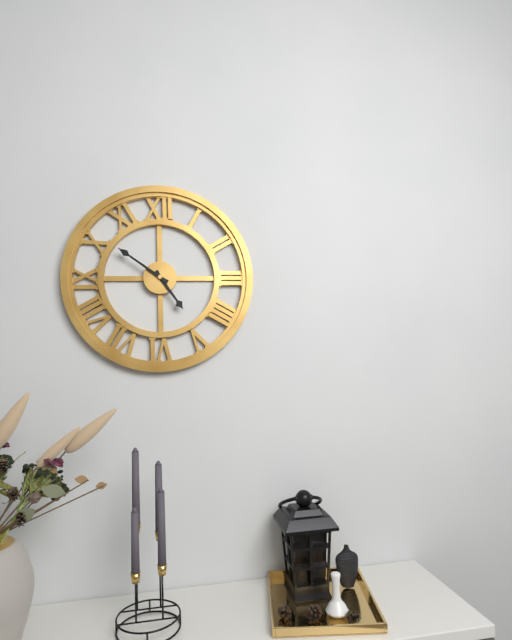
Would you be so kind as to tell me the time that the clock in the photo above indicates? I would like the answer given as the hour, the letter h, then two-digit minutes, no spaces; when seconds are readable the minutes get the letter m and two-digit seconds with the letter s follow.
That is 4h51
